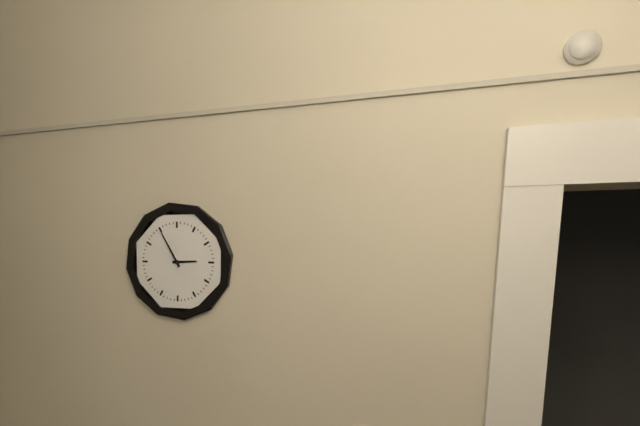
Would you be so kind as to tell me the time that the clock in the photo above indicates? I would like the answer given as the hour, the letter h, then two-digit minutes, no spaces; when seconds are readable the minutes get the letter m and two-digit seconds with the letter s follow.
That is 2h55
